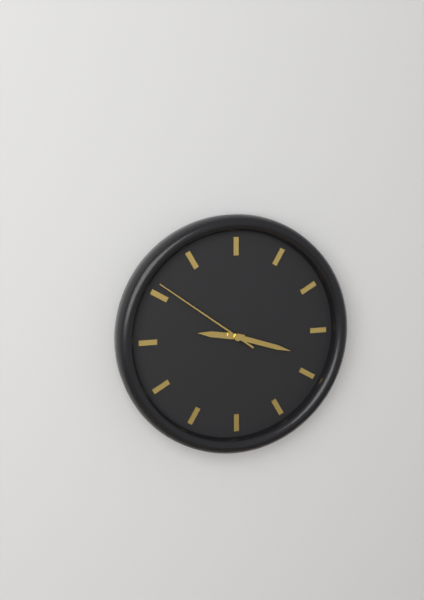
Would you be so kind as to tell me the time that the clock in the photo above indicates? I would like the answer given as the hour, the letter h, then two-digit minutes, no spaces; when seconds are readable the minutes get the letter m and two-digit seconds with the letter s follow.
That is 9h18m51s
